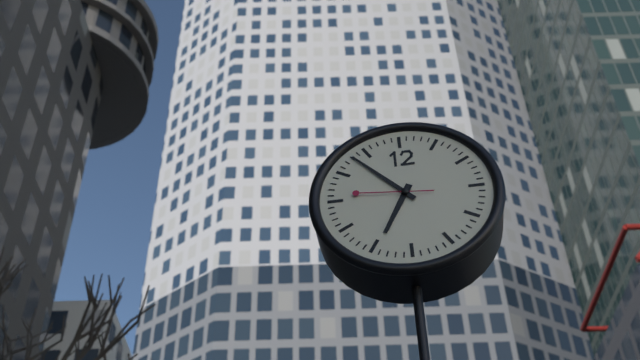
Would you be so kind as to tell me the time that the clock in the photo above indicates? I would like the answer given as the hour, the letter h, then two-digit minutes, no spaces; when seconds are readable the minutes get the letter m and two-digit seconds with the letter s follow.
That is 6h53m46s
